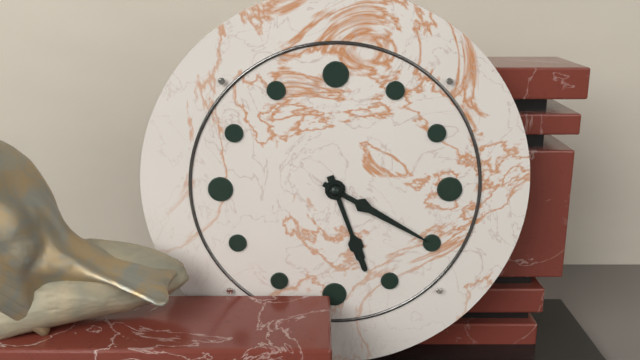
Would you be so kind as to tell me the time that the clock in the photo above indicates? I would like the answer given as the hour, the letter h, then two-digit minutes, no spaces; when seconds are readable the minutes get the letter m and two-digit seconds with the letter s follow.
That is 5h20
